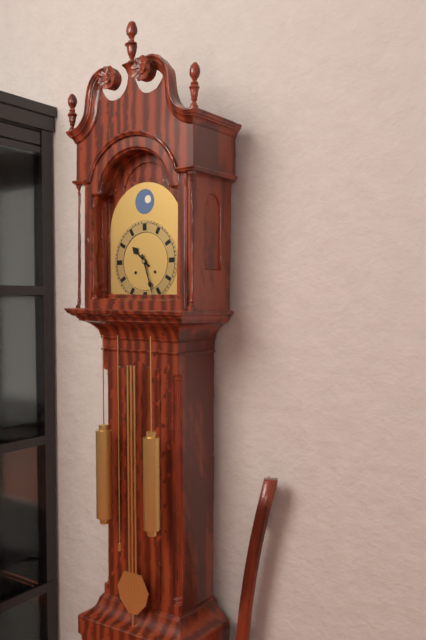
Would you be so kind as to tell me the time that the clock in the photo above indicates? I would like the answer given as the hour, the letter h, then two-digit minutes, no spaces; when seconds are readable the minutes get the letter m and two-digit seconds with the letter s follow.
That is 10h27
